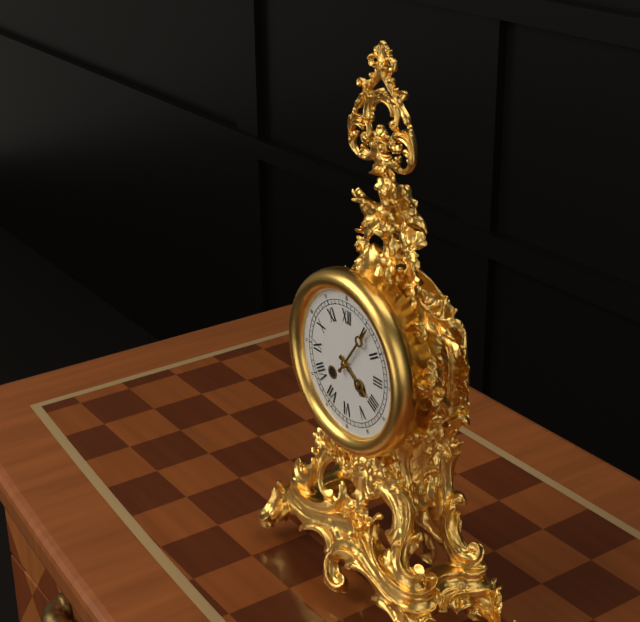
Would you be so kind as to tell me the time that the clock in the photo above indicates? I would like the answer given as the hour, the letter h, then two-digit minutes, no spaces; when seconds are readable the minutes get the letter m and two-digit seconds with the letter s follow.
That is 4h06
